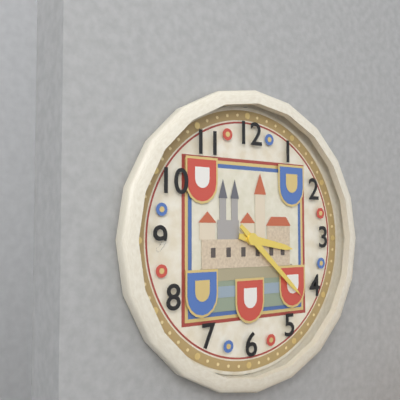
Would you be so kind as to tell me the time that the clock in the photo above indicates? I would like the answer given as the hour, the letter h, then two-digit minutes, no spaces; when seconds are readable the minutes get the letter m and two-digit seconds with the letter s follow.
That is 3h22
